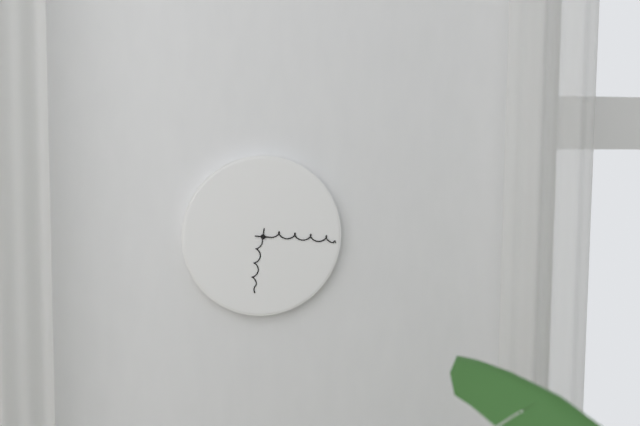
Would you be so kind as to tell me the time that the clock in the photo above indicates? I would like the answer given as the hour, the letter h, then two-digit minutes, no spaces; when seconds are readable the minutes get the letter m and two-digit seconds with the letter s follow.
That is 6h16
